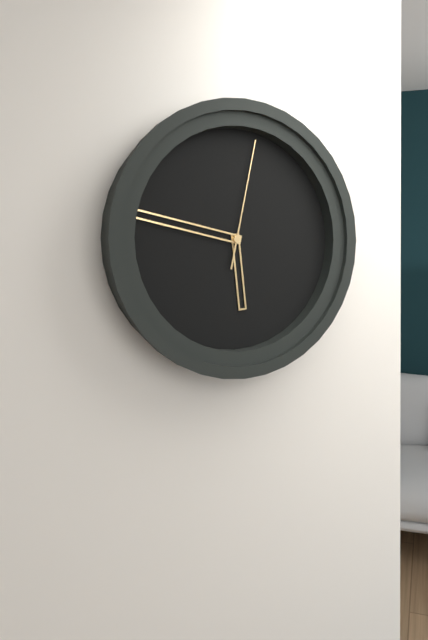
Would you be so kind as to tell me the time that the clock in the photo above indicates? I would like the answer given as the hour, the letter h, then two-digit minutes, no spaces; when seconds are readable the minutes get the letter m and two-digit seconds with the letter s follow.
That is 5h47m02s
